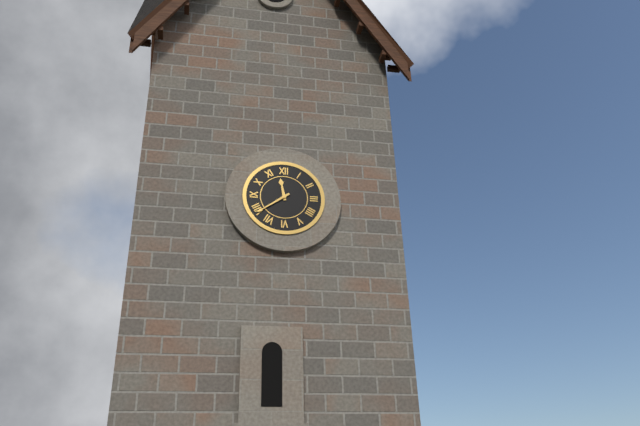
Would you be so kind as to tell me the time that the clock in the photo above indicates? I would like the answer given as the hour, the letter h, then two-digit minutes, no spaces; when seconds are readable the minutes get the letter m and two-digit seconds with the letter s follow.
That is 11h39
